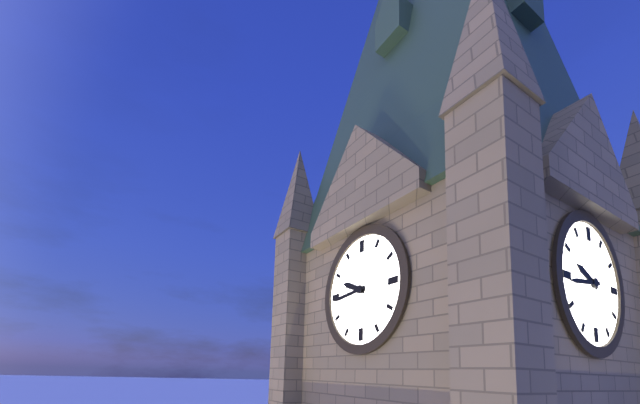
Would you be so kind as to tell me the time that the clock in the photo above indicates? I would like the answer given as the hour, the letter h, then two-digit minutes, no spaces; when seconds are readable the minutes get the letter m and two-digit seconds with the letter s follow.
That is 9h44
